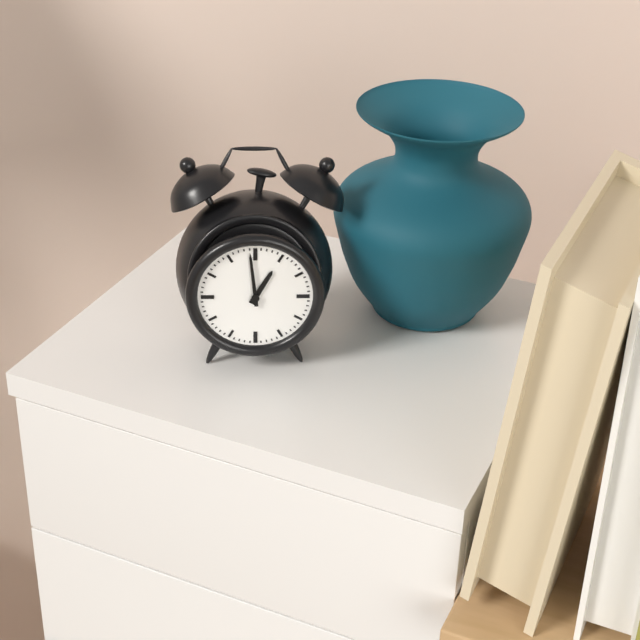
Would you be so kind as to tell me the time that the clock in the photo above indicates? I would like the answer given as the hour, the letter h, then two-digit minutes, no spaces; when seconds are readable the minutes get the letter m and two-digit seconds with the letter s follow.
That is 12h59
